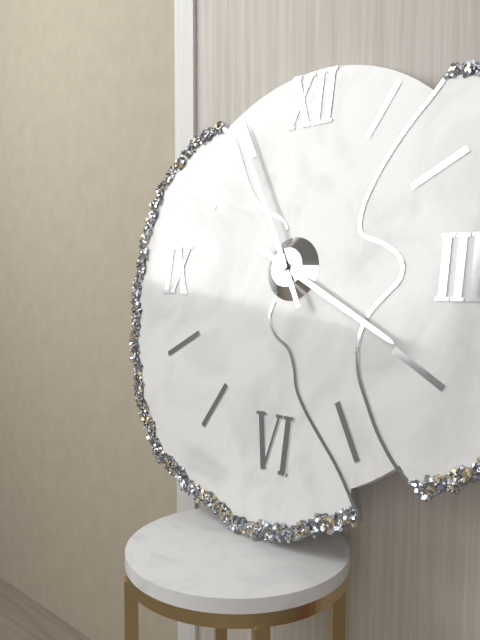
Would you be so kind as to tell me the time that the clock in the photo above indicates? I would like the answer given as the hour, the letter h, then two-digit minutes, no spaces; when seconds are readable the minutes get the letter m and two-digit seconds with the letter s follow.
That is 3h55
